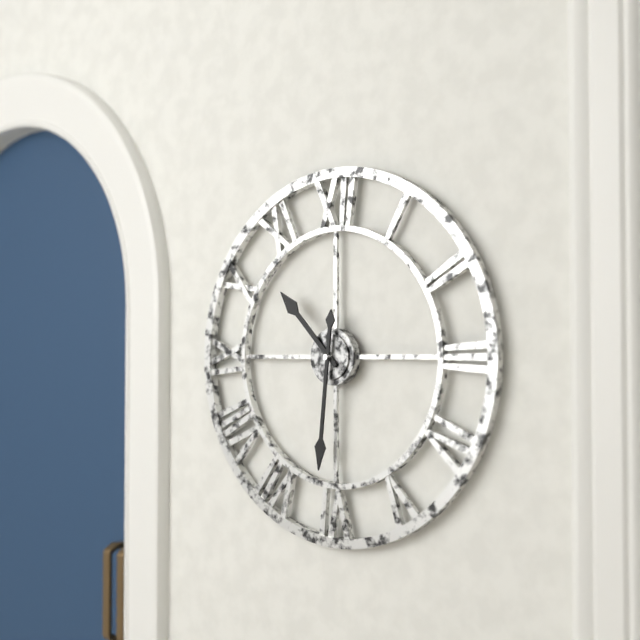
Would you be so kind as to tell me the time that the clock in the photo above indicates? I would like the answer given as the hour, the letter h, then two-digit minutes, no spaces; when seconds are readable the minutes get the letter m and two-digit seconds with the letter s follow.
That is 10h31
